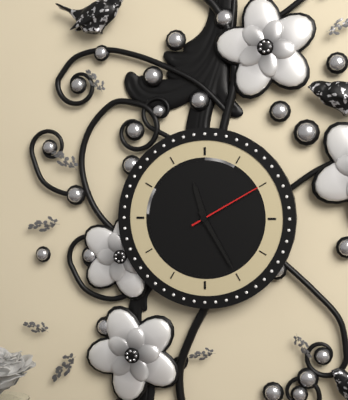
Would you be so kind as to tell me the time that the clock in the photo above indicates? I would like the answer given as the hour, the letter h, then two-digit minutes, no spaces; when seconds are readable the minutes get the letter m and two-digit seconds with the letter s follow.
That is 11h25m10s
